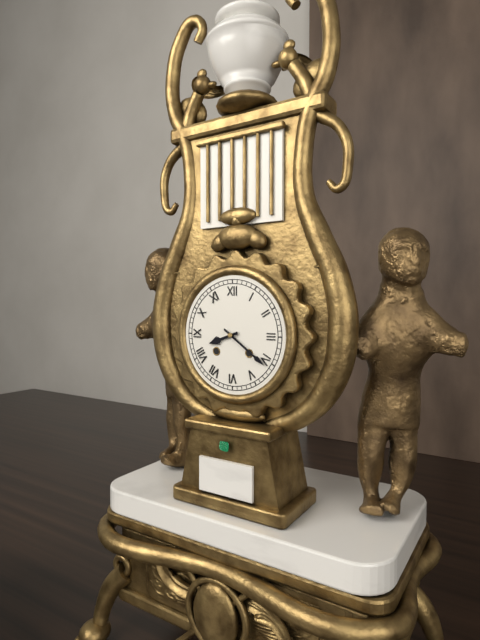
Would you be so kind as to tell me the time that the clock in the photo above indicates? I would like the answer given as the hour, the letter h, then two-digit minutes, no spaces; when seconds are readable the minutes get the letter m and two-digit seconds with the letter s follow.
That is 8h21
